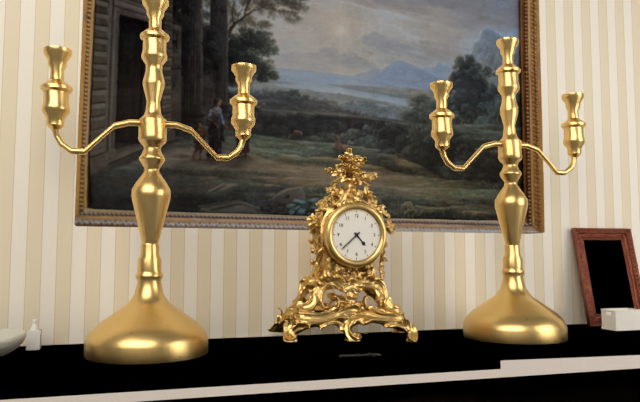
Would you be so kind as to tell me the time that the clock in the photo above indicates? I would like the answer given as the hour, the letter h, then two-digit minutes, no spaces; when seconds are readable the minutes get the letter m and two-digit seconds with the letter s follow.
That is 4h38
